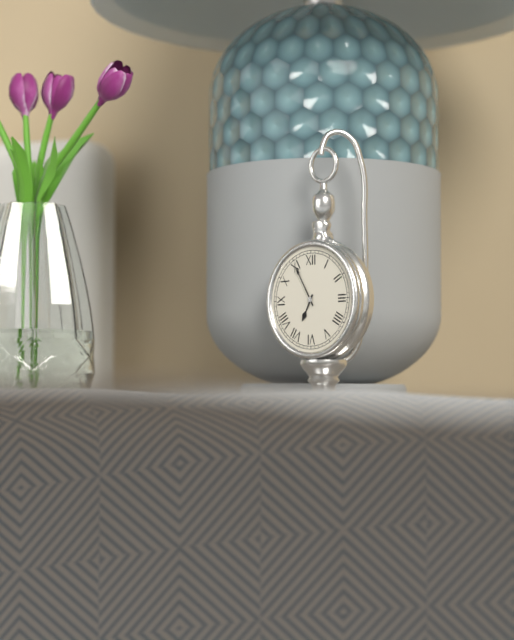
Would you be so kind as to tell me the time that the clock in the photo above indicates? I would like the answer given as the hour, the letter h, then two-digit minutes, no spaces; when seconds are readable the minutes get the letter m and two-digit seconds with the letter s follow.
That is 6h55
